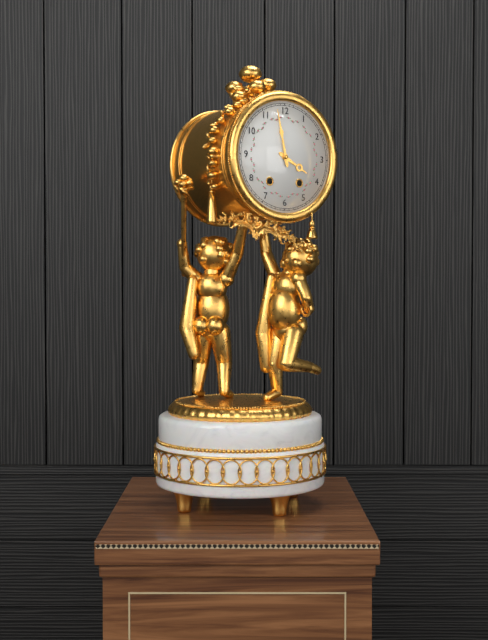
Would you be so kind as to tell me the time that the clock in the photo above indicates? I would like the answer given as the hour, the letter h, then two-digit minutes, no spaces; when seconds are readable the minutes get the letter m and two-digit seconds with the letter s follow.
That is 3h58
